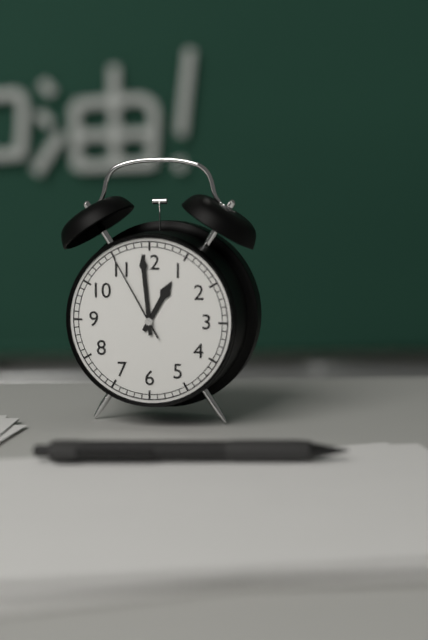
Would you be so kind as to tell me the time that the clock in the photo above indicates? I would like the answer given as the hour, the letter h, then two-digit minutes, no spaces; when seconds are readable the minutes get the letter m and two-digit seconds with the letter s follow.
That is 12h59m55s
